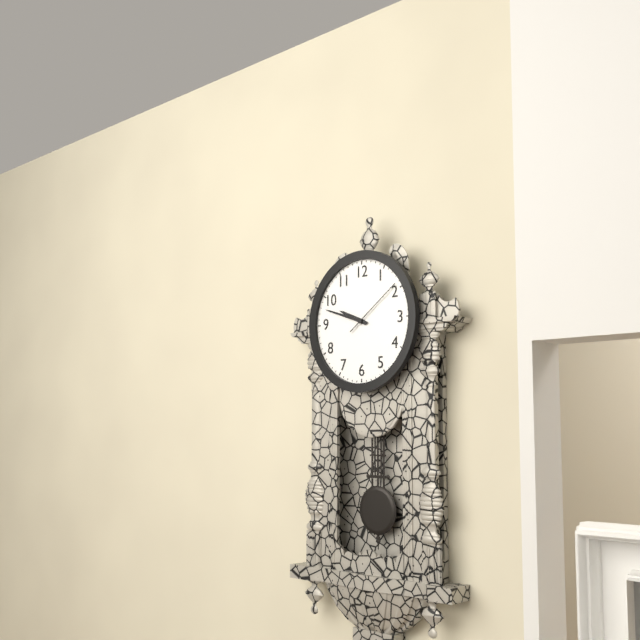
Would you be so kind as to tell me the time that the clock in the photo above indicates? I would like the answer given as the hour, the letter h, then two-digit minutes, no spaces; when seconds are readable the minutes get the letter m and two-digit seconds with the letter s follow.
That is 9h48m09s
